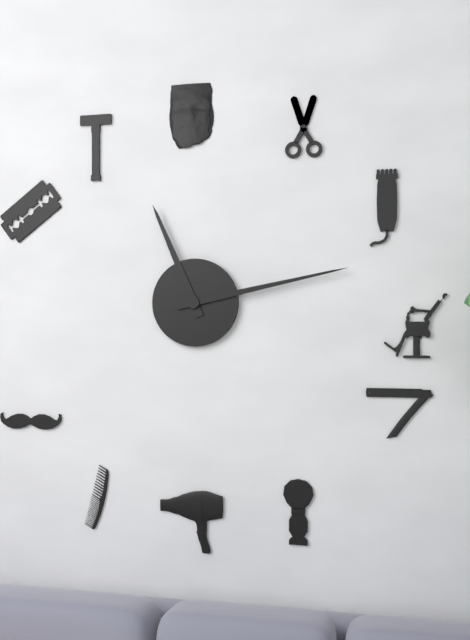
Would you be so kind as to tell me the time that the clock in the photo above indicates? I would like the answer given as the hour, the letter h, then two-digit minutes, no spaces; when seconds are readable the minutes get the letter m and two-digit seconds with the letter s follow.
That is 11h13
